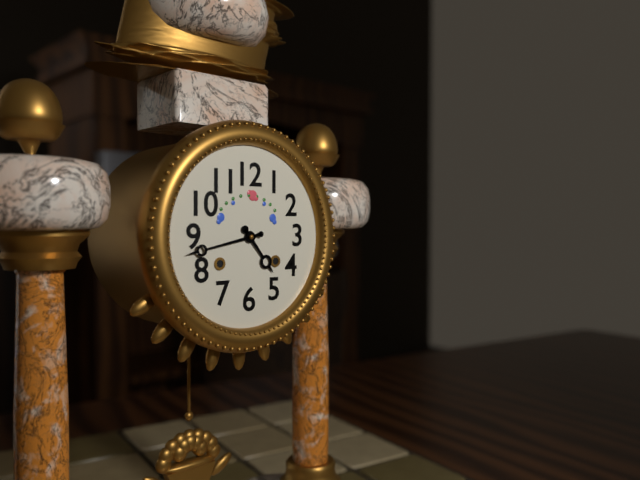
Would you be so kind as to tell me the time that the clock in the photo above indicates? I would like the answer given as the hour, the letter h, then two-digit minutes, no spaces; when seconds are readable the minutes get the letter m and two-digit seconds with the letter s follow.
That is 4h43
